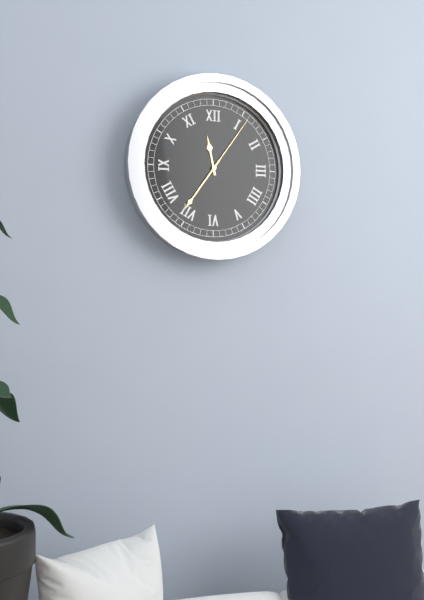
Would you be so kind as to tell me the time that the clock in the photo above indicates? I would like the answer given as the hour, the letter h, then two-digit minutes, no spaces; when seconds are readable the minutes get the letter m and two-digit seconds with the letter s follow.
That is 11h36m06s
